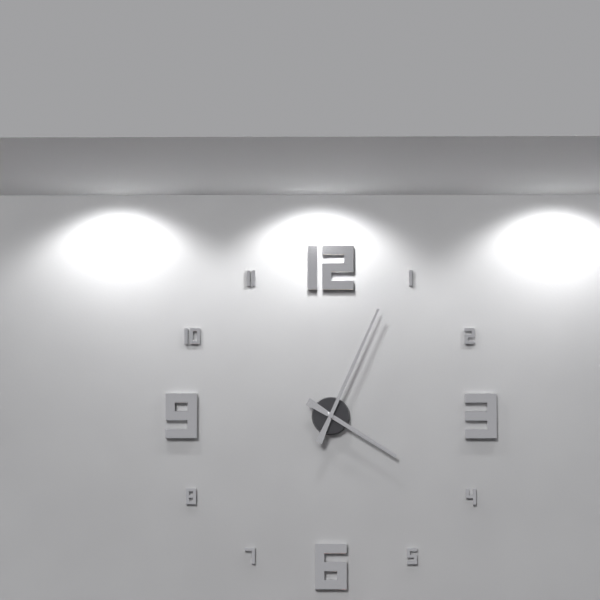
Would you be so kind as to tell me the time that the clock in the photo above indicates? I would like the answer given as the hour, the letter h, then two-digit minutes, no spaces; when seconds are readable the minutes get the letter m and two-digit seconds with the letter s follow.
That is 4h04
